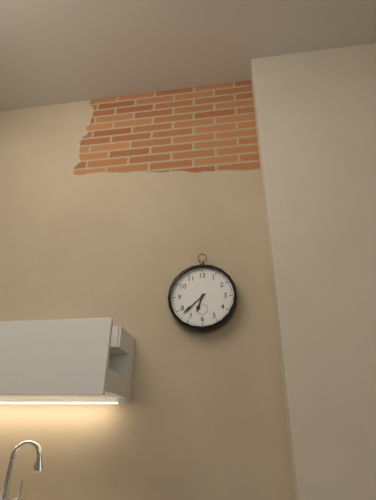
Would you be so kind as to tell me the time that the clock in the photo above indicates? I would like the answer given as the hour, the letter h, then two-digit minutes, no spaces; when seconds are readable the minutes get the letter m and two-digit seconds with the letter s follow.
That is 6h38
